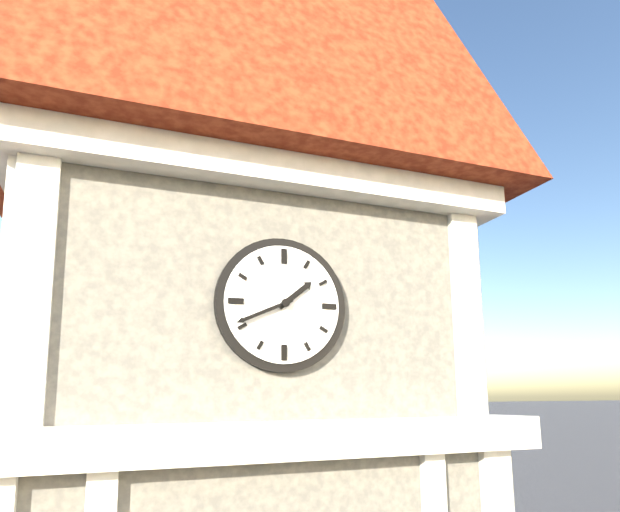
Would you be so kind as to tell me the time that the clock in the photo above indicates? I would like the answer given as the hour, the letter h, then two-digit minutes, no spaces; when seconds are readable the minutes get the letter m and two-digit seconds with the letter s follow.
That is 1h41
